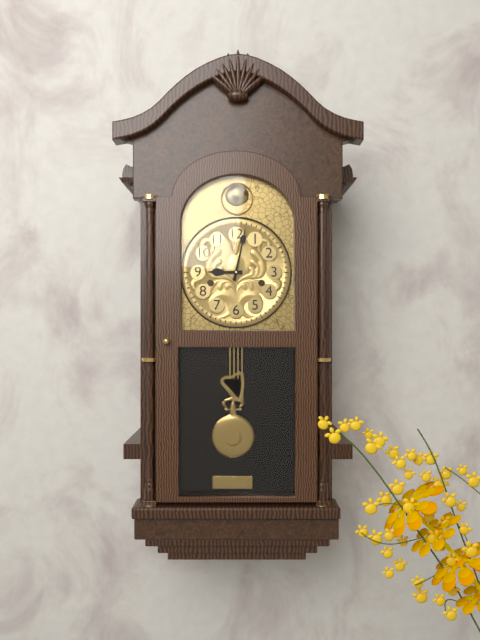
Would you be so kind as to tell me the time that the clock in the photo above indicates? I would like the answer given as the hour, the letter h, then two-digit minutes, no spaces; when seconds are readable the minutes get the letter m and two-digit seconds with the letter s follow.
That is 9h02
